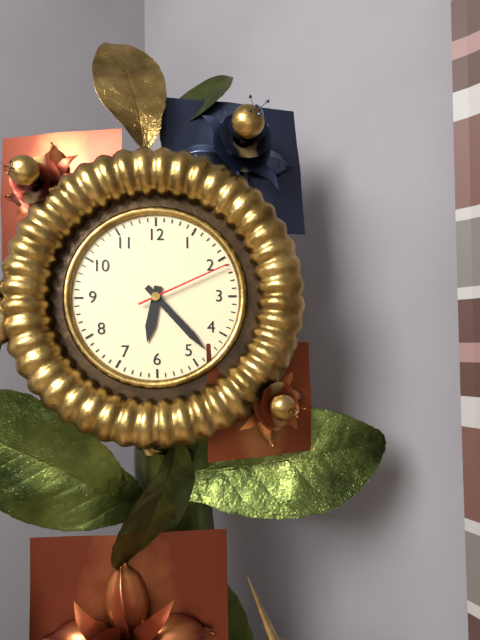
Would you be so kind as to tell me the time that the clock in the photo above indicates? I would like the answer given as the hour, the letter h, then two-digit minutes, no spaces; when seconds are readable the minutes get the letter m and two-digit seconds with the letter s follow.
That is 6h23m11s
